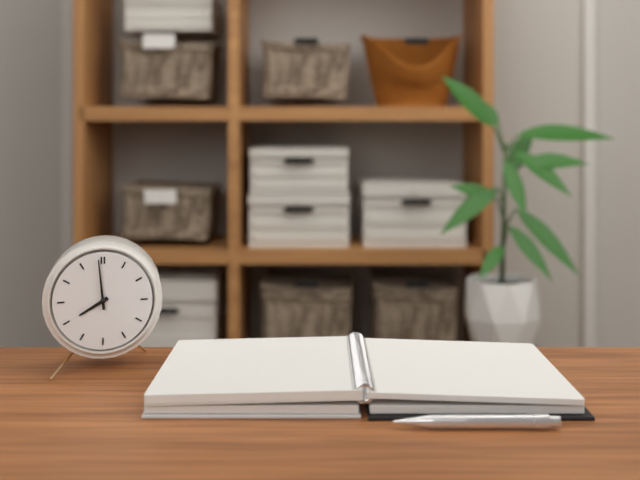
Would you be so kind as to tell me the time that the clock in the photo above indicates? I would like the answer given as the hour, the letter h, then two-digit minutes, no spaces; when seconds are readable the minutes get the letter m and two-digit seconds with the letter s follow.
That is 7h59
